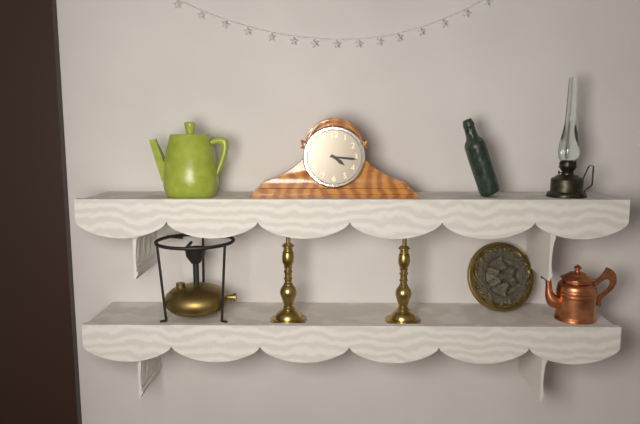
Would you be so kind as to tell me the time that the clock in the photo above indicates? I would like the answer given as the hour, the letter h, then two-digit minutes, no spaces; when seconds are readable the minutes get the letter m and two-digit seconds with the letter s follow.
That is 4h16
